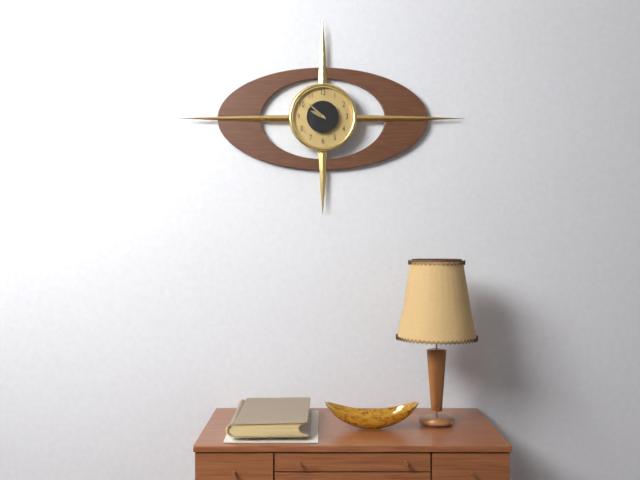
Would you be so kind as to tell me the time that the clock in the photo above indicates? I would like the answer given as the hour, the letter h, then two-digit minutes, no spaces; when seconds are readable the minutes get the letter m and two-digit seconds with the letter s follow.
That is 9h52
